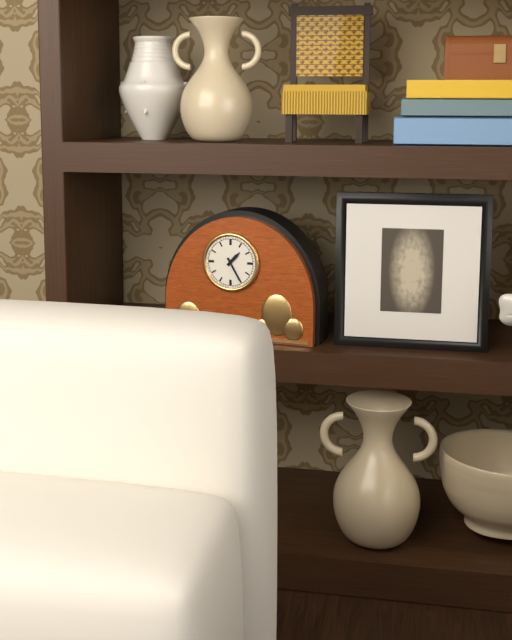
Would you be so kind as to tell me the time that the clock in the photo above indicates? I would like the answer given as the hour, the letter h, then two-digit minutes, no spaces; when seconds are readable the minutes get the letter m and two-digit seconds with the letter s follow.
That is 1h25
